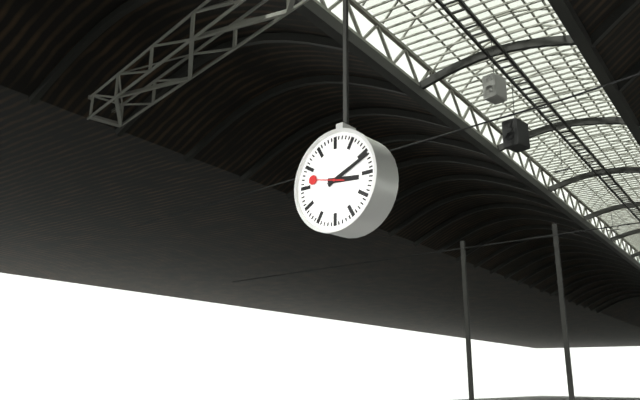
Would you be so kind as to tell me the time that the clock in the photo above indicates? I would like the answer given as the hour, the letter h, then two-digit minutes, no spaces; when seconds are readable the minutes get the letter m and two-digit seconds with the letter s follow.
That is 3h11
